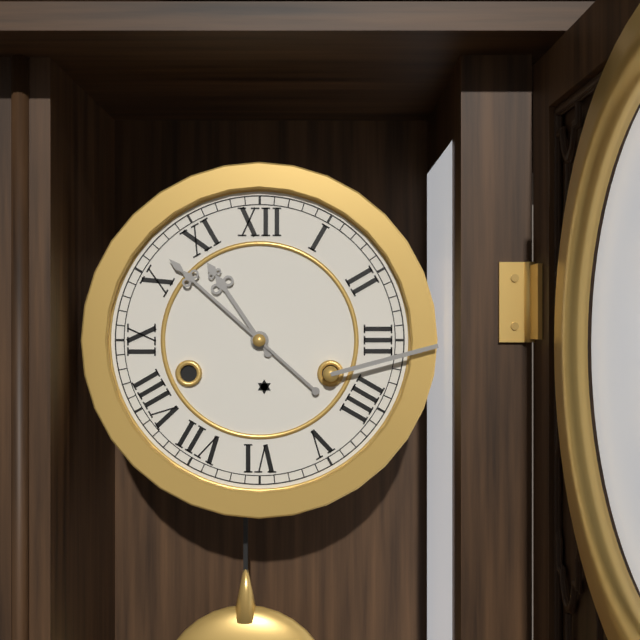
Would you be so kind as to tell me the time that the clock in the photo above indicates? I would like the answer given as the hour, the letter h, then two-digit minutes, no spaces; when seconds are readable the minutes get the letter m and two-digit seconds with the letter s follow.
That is 10h52
